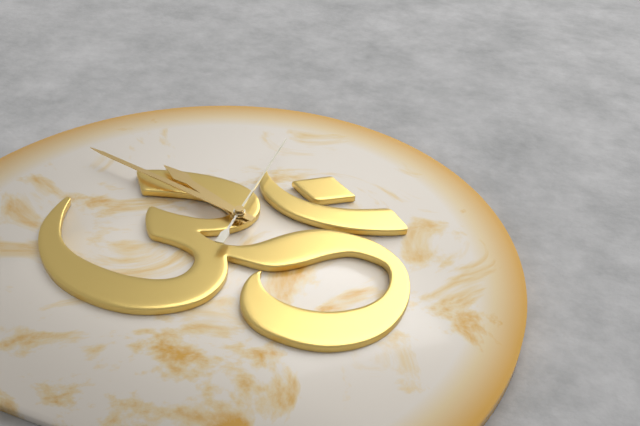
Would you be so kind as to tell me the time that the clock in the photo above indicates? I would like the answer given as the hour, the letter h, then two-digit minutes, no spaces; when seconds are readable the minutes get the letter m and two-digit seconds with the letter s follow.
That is 9h47m59s
